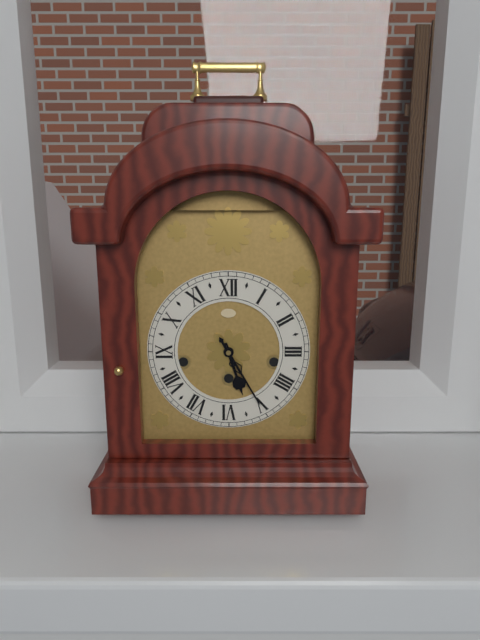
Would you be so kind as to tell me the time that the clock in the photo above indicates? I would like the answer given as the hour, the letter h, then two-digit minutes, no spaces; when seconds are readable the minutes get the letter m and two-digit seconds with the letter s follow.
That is 5h25
